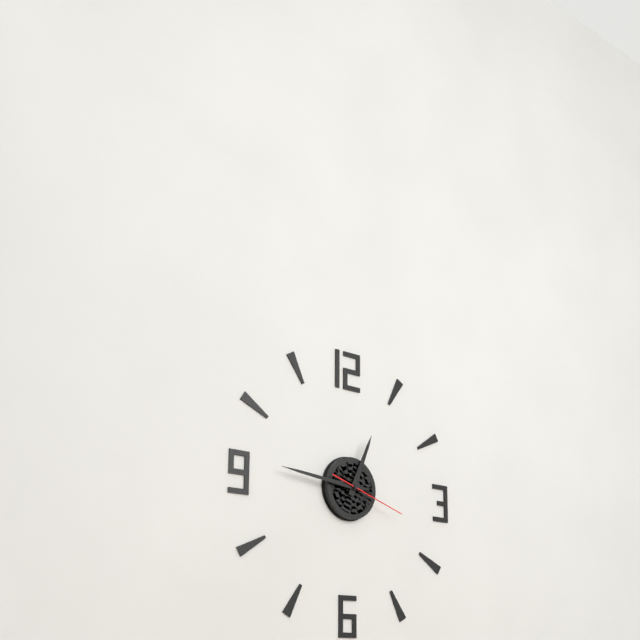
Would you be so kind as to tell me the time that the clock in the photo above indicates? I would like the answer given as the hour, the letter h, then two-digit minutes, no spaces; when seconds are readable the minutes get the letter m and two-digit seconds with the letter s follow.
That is 12h46m18s
